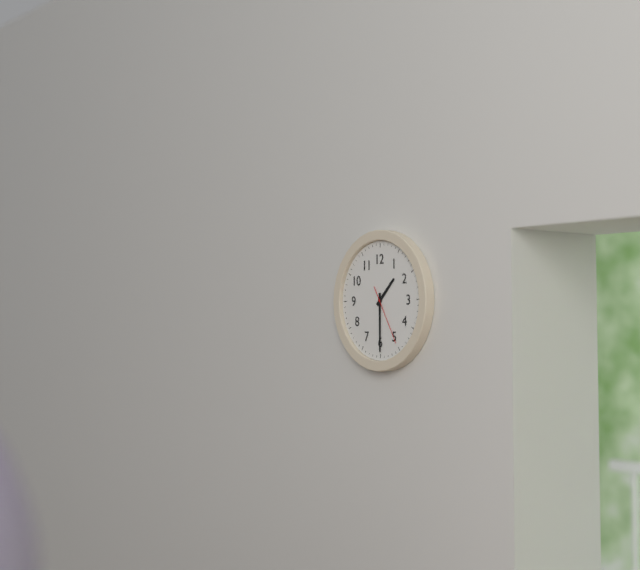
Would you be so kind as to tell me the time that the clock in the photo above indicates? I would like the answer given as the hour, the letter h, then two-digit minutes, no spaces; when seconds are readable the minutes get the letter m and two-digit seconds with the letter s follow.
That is 1h30m25s
